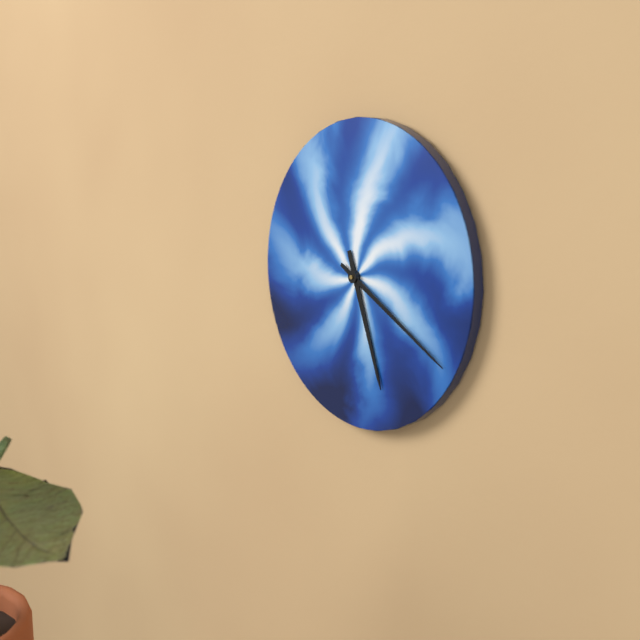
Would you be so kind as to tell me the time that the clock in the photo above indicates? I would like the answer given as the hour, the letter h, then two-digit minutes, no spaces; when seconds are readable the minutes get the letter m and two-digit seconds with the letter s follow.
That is 5h20
